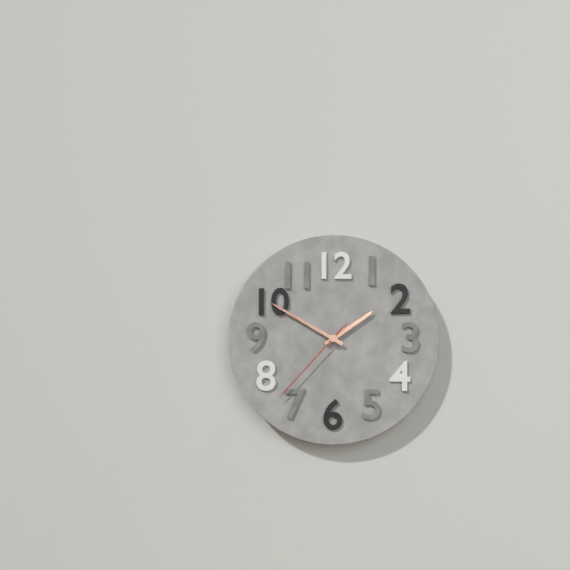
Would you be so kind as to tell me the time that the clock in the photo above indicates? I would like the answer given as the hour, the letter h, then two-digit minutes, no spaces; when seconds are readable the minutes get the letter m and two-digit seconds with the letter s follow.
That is 1h50m37s
